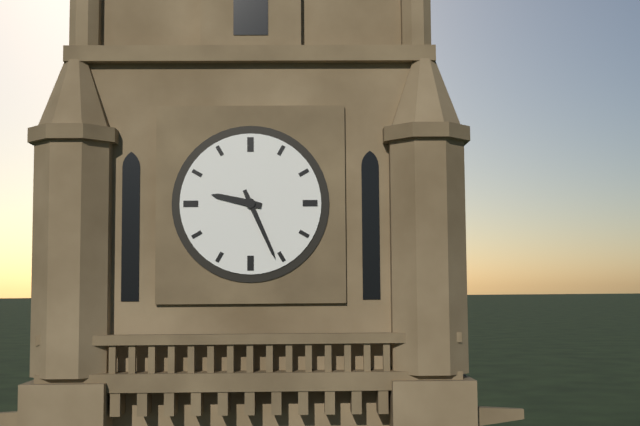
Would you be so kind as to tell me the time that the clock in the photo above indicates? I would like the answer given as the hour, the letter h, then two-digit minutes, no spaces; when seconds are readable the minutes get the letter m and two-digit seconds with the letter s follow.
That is 9h26
